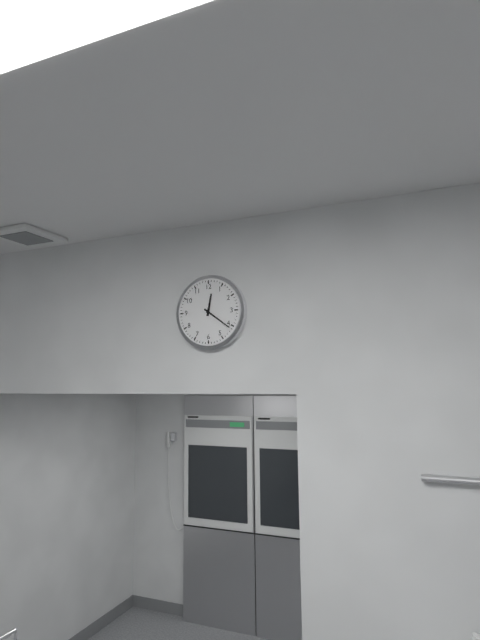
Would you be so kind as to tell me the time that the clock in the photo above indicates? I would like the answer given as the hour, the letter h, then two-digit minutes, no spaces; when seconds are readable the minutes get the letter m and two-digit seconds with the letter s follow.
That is 12h21
